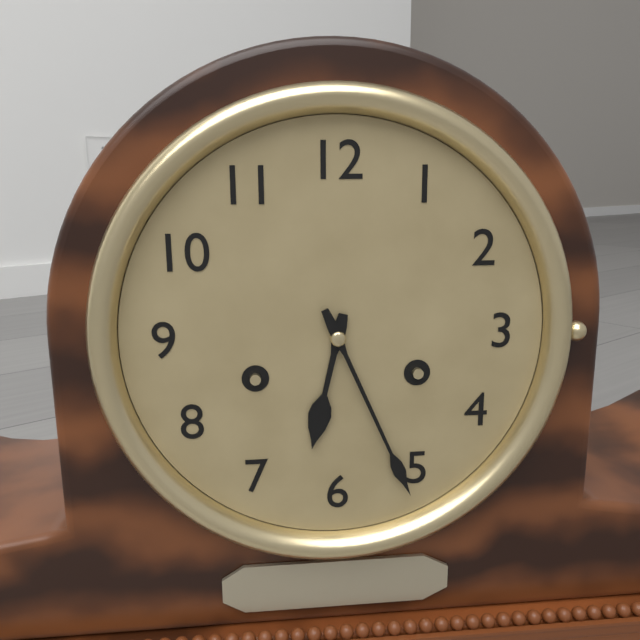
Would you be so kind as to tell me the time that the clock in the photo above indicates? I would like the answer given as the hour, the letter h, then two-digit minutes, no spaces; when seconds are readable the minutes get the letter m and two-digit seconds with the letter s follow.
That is 6h26
